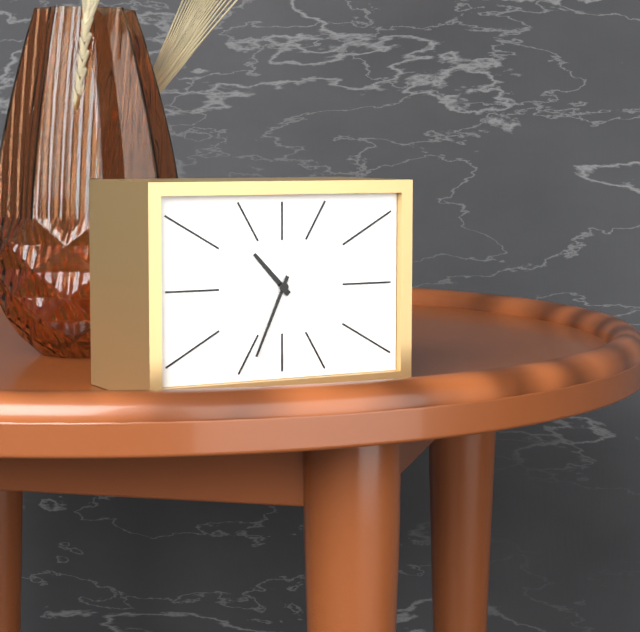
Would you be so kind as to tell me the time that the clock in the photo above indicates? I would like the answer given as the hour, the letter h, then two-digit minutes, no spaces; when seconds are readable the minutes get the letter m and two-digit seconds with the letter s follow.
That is 10h34
